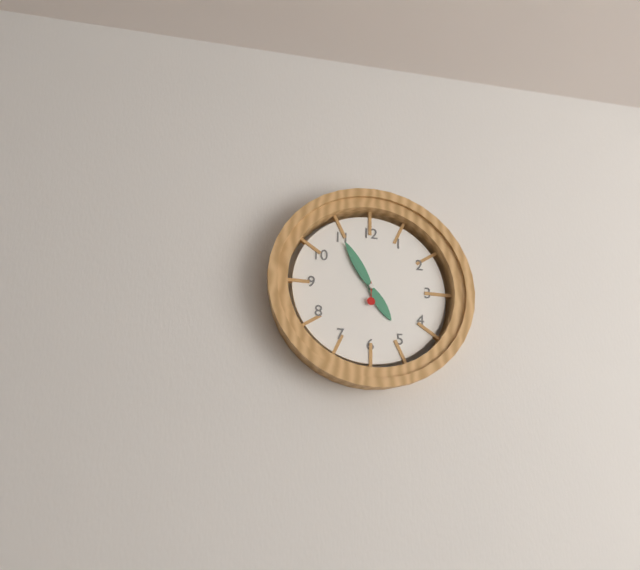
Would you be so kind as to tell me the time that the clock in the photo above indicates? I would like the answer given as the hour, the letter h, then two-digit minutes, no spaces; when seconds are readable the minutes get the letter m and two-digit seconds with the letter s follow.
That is 4h55
